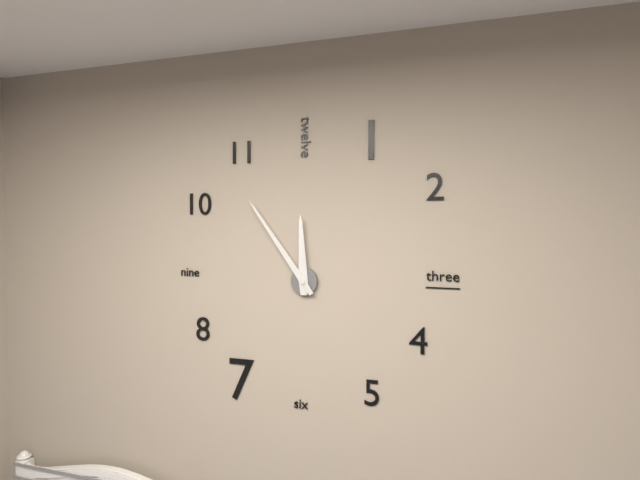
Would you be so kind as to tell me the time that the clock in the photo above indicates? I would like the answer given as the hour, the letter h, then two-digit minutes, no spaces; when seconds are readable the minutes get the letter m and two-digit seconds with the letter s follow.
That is 11h54
